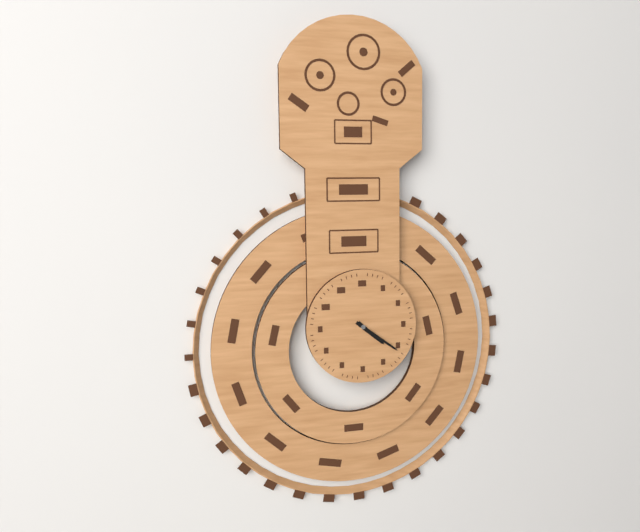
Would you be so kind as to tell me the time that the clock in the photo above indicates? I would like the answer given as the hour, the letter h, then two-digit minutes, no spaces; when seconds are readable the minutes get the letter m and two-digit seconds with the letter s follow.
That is 4h21
